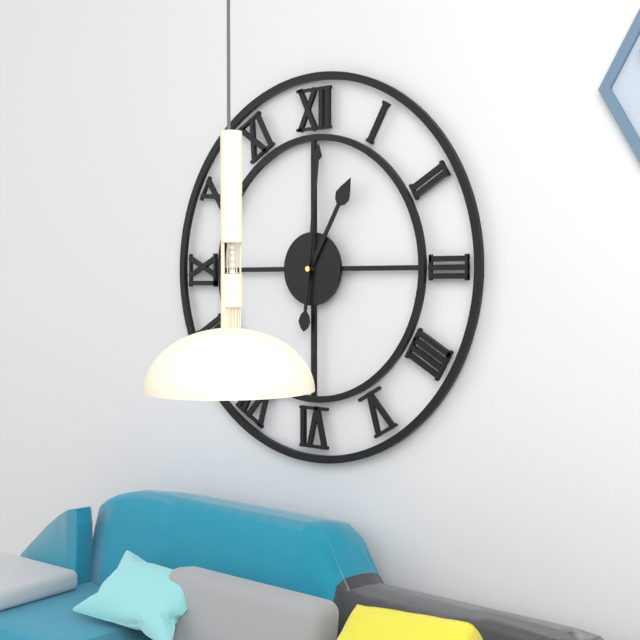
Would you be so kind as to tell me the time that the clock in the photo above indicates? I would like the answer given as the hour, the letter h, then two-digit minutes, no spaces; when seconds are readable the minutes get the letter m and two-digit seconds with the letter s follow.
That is 1h01
